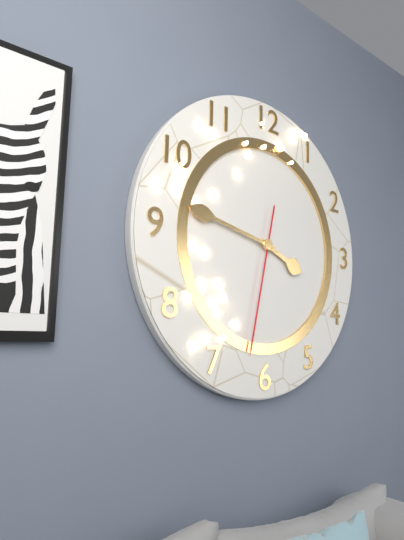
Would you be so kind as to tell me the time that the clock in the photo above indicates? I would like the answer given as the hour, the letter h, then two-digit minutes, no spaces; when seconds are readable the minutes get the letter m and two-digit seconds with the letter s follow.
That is 3h47m32s
